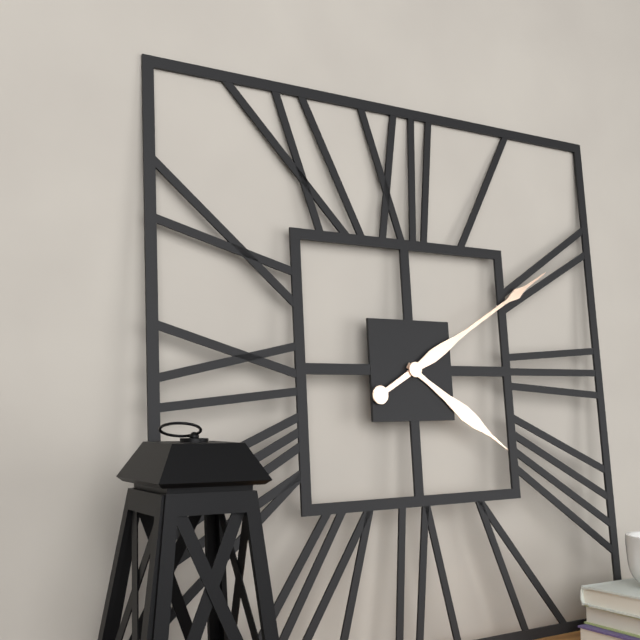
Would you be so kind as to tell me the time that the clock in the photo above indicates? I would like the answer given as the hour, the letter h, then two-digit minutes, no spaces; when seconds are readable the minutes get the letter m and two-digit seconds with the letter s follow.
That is 4h10
